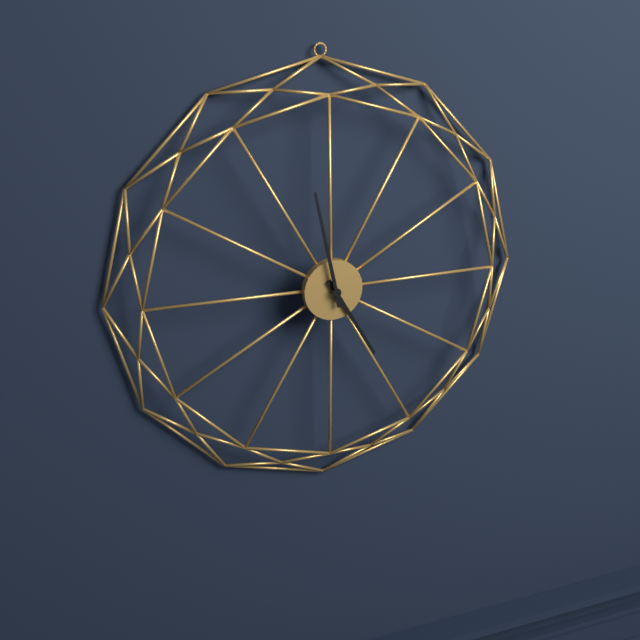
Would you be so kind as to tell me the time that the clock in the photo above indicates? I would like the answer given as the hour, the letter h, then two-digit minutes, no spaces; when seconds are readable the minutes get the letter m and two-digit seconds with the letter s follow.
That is 4h58
